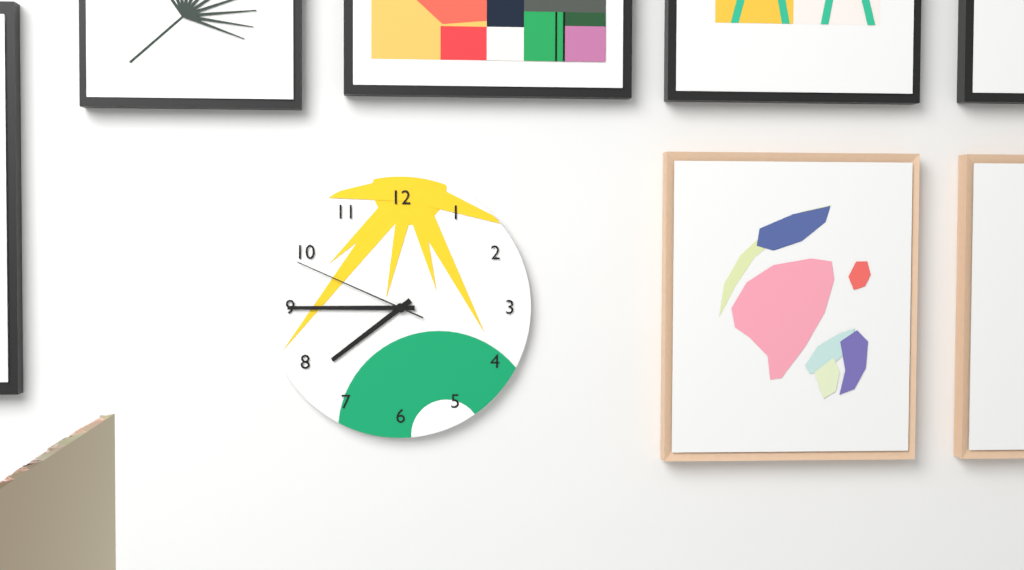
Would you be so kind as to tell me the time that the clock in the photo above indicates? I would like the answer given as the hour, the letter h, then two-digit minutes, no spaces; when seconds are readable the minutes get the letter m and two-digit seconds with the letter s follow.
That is 7h45m49s
